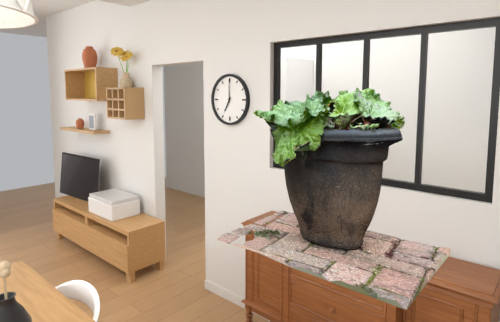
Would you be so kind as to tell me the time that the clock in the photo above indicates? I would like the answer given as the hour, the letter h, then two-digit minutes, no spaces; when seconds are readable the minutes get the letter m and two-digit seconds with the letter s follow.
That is 7h00
